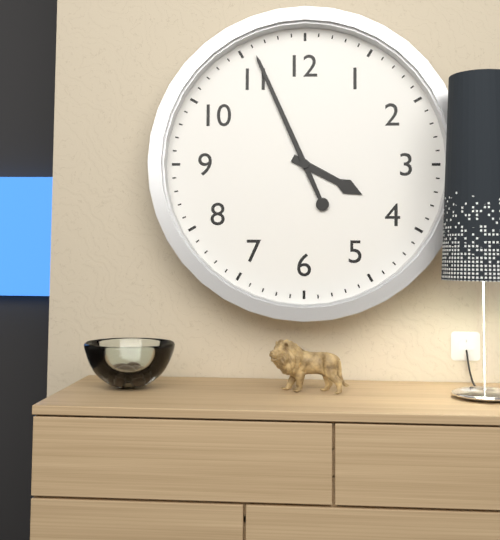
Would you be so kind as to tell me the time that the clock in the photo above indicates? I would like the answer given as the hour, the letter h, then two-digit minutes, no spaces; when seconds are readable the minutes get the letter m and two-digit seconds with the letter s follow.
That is 3h56
